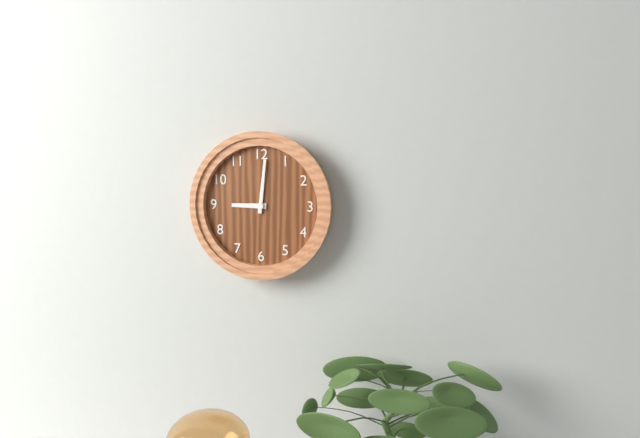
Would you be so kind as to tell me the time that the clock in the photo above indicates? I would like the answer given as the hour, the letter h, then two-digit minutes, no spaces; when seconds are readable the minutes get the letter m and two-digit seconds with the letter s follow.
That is 9h01
